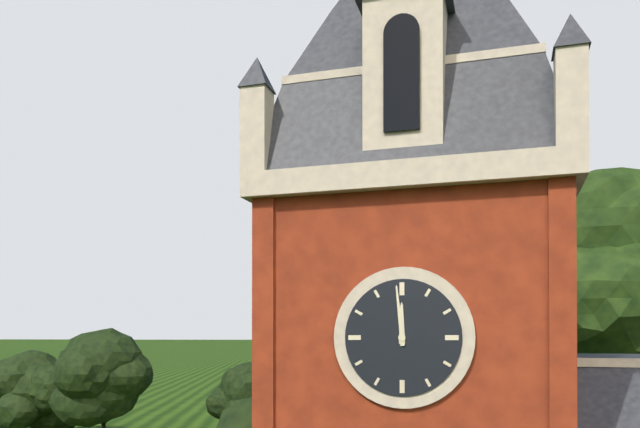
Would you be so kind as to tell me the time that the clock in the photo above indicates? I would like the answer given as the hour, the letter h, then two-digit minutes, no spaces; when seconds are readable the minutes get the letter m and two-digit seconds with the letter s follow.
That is 11h59
